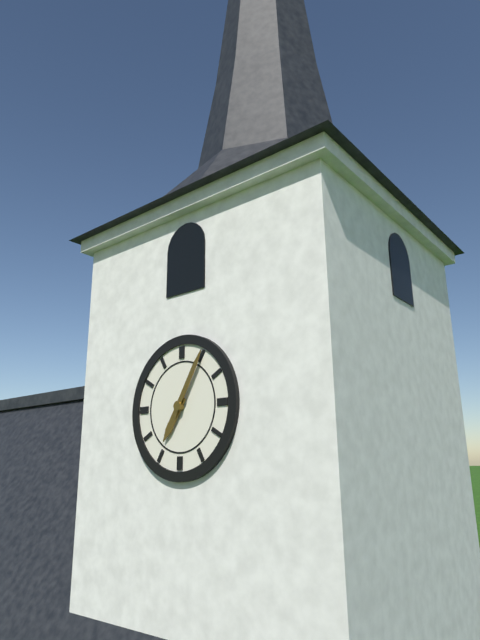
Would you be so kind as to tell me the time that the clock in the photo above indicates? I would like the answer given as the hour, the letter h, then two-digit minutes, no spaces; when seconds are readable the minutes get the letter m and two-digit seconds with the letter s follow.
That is 7h05
